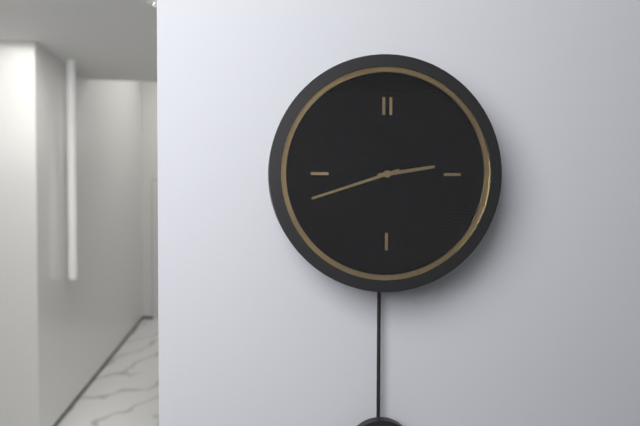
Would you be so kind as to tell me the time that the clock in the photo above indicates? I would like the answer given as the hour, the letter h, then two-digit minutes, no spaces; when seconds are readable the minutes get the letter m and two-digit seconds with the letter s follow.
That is 2h42
